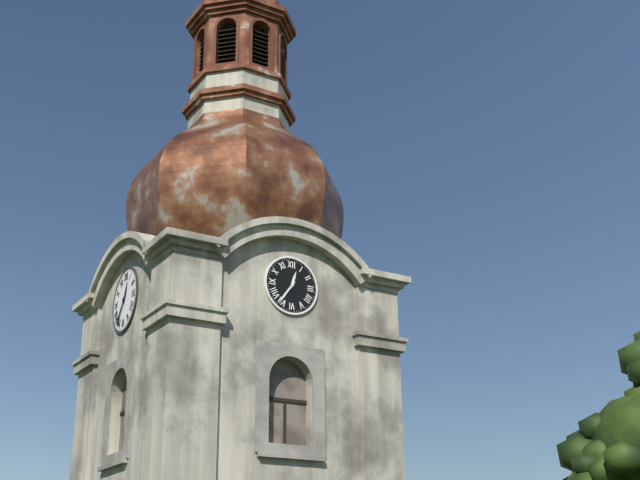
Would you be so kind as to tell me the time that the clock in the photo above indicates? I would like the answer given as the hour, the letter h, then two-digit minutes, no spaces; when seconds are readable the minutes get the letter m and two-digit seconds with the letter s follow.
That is 12h36
